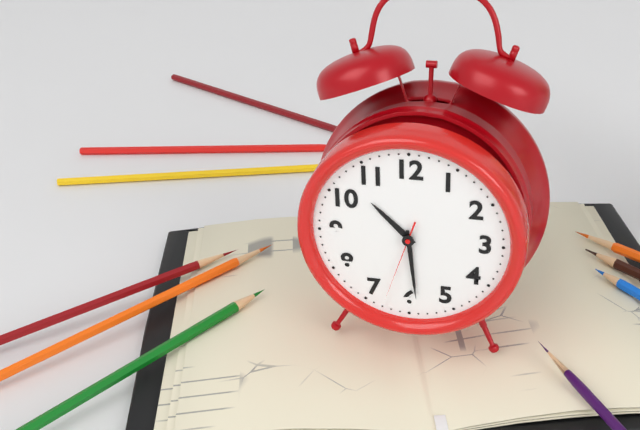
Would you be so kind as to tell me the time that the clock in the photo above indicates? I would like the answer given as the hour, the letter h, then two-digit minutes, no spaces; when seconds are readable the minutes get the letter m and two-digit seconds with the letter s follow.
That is 10h29m33s
